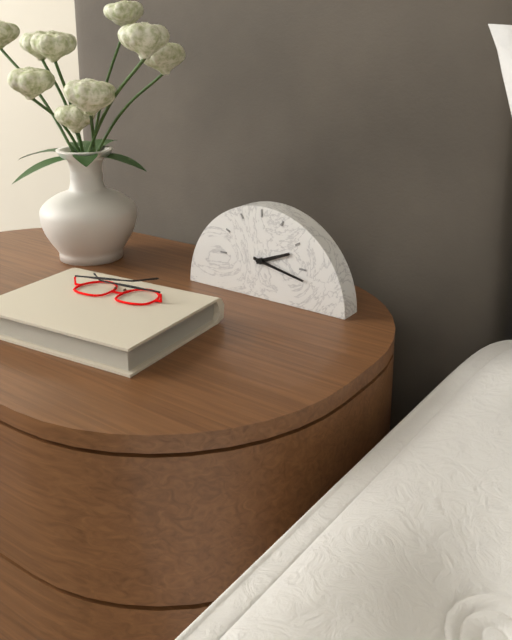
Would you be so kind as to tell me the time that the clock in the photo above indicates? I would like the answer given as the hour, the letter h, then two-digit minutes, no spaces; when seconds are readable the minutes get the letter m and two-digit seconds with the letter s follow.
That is 2h17
